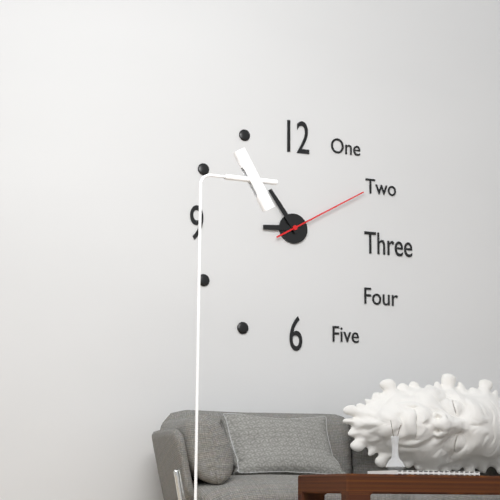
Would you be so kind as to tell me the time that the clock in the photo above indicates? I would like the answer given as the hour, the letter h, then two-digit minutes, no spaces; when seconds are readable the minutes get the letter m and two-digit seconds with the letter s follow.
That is 8h54m10s
